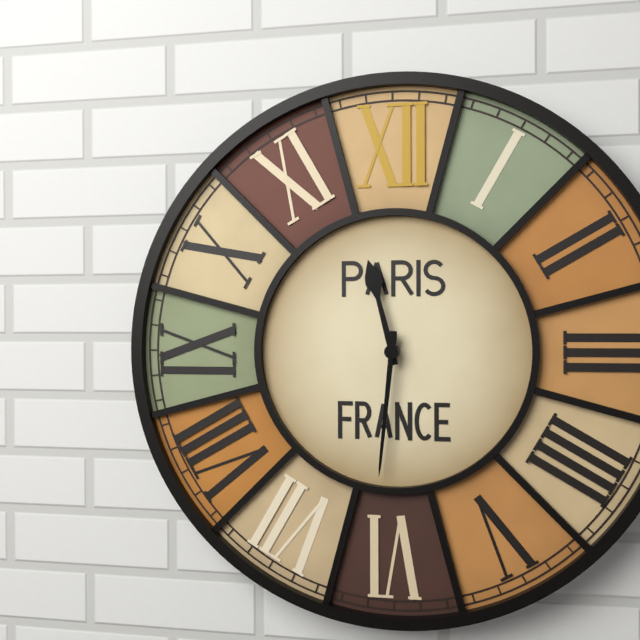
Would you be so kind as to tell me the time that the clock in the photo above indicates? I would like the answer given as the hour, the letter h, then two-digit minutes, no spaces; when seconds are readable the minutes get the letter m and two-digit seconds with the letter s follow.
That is 11h31
